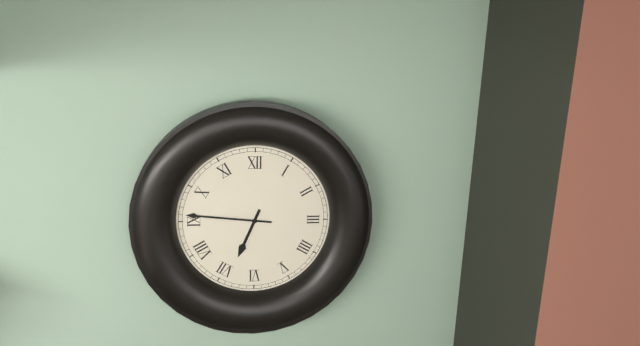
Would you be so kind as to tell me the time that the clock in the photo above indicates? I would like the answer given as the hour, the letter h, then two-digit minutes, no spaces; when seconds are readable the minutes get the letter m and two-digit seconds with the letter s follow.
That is 6h46
